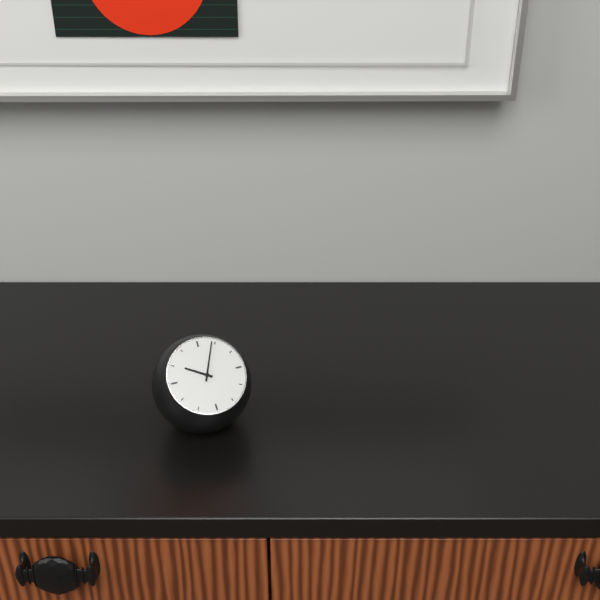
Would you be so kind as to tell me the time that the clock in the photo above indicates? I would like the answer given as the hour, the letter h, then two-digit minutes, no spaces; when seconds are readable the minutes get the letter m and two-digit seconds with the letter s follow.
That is 10h04
